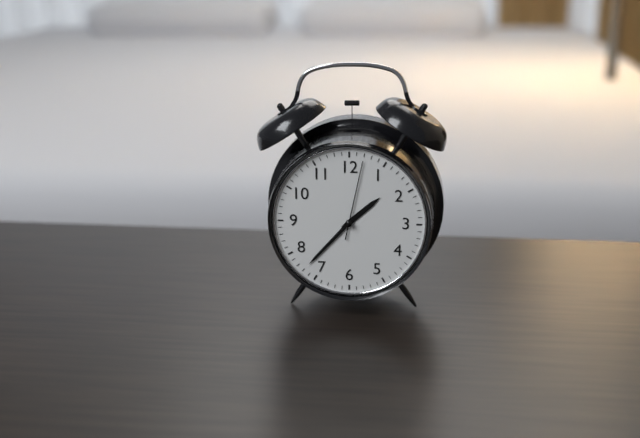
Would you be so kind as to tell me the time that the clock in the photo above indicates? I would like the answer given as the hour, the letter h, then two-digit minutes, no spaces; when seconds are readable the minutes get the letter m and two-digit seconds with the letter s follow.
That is 1h37m02s
